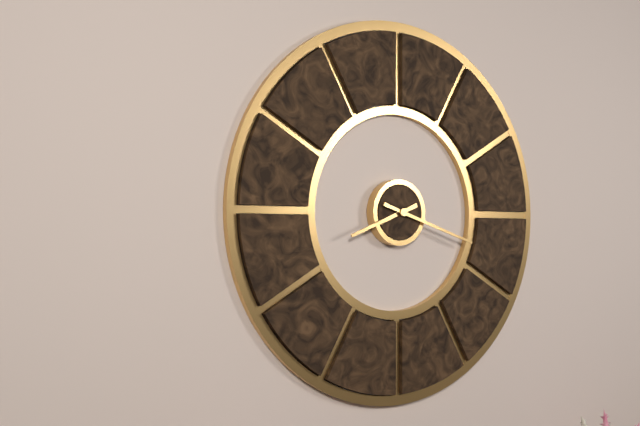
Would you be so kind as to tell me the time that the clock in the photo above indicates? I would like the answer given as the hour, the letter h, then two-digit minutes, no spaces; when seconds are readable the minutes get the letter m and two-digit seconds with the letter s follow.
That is 8h18
